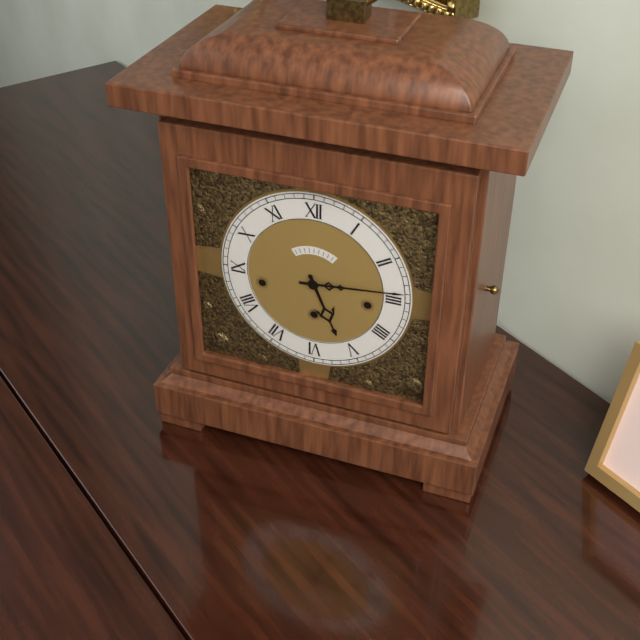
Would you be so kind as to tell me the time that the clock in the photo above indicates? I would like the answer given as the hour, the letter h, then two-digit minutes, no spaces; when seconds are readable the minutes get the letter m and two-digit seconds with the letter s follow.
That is 5h14
